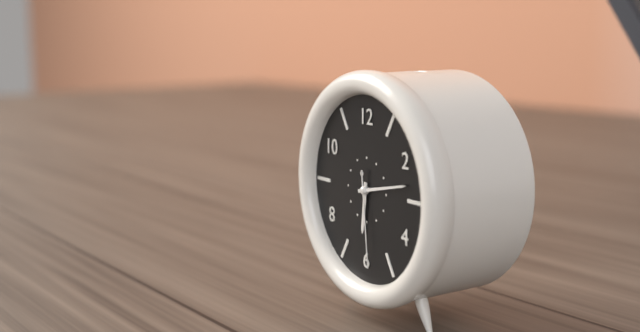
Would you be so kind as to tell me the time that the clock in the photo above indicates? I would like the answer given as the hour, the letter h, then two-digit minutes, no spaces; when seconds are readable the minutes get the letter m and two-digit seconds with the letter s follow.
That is 6h13m29s
